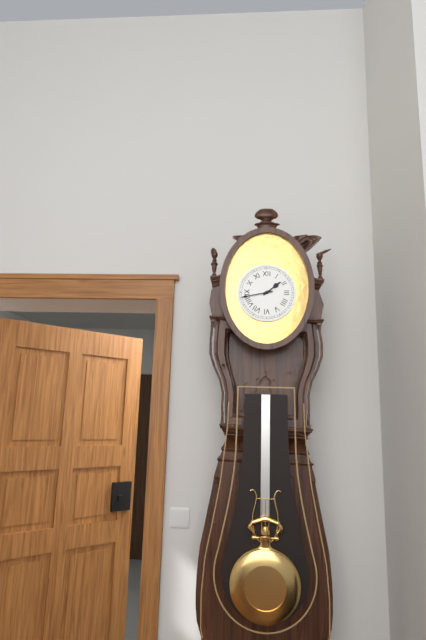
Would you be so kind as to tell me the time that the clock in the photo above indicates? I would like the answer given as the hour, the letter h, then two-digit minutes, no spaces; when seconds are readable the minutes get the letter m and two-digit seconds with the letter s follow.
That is 1h43
